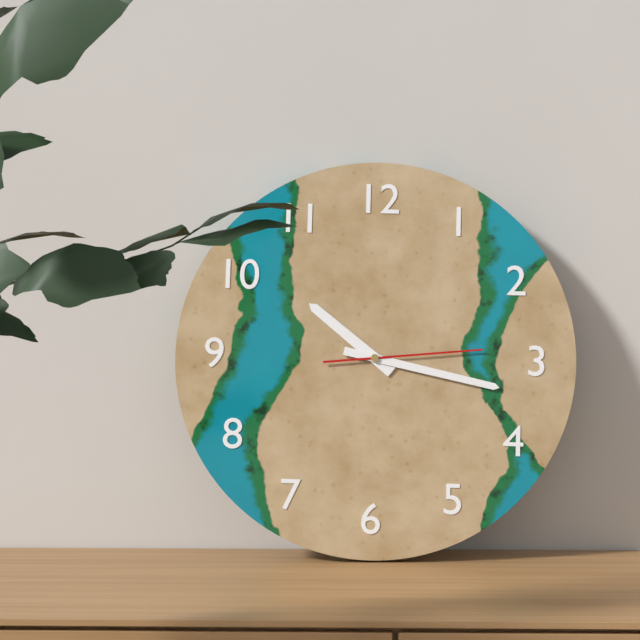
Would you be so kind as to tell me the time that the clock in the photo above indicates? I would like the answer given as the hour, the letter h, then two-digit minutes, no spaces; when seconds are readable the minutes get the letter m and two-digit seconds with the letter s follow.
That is 10h17m14s
